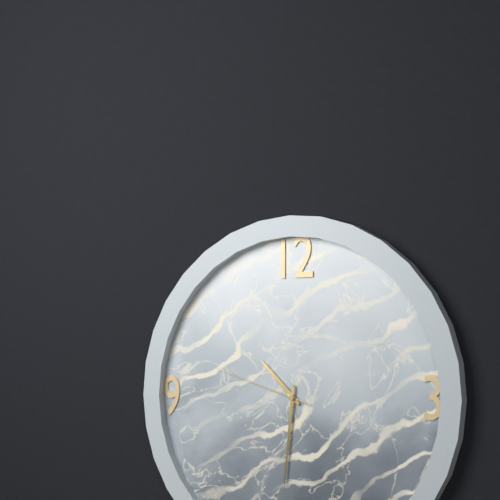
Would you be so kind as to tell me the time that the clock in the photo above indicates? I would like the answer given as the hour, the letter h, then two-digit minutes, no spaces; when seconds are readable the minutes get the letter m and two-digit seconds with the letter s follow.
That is 10h31m48s
